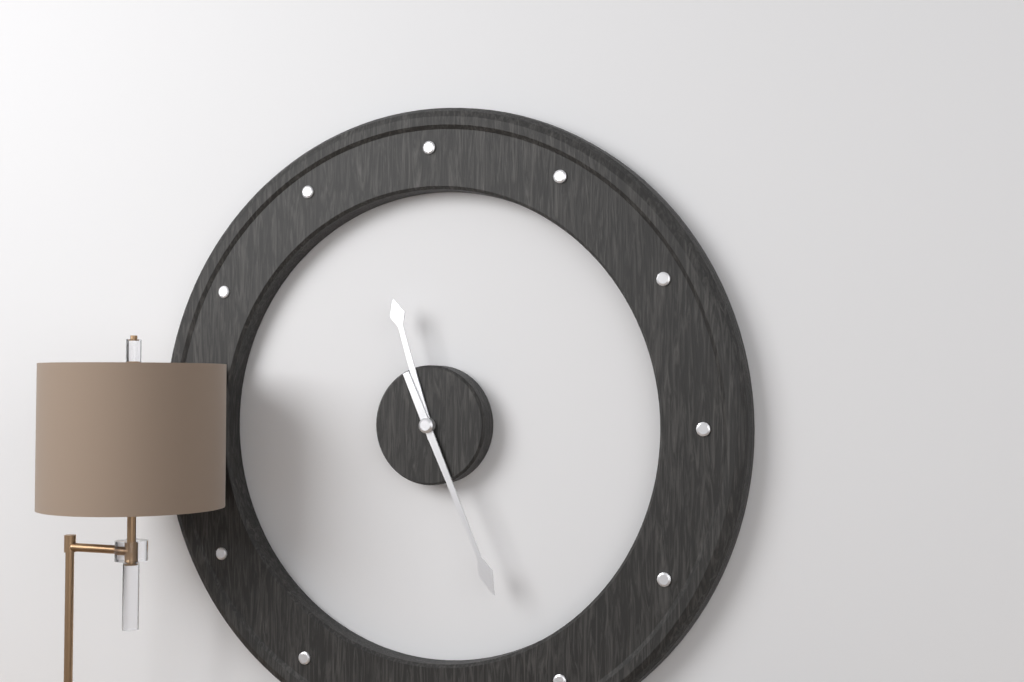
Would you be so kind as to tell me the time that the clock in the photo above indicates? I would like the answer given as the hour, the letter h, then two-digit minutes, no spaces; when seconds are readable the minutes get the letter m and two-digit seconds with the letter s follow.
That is 11h26
